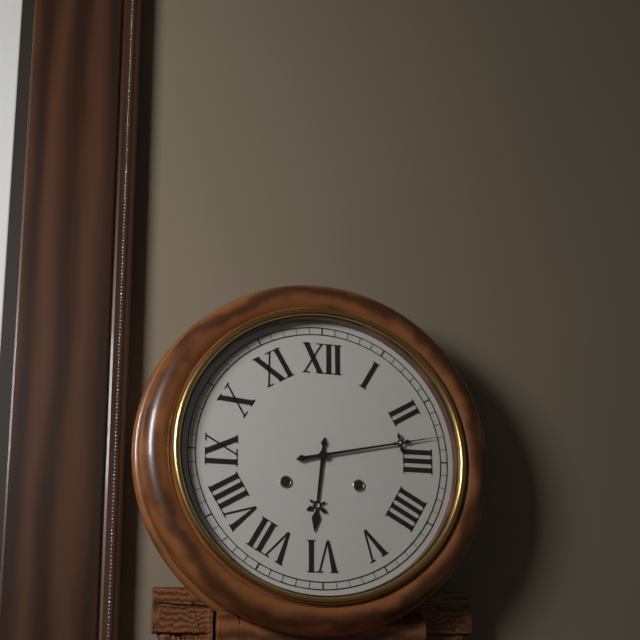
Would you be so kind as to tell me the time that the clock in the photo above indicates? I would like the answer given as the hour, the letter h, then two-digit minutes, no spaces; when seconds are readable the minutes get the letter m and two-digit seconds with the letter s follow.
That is 6h13
